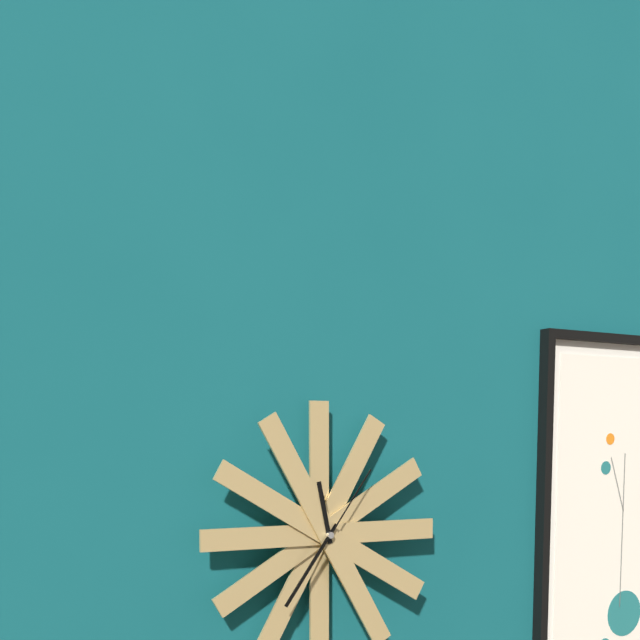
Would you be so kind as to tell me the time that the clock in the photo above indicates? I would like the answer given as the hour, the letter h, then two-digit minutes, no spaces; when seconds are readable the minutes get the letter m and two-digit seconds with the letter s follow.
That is 11h36m06s
